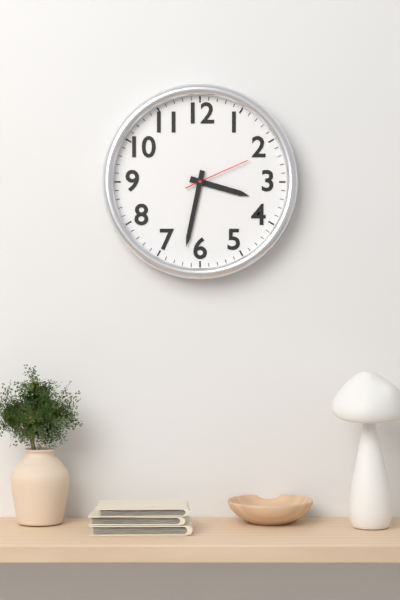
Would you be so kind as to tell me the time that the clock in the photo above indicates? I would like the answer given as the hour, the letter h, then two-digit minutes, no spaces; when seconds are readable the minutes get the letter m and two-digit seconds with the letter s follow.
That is 3h32m11s
